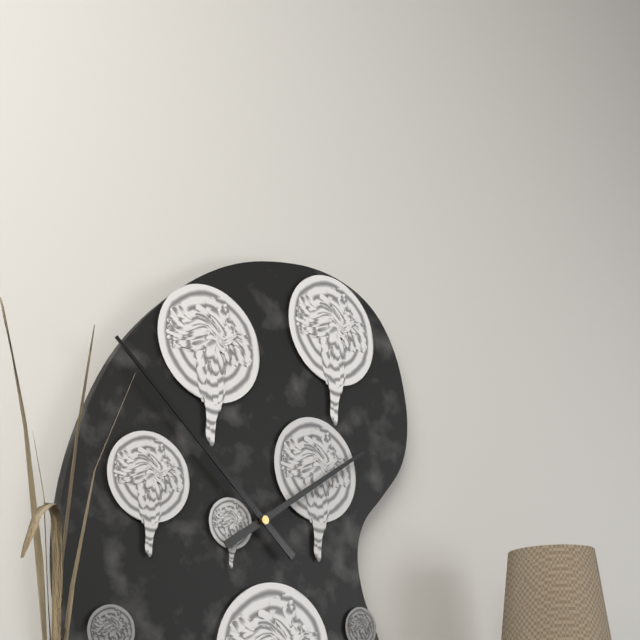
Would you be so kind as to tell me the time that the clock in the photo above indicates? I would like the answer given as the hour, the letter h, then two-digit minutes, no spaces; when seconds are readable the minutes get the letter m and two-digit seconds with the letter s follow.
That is 1h52
